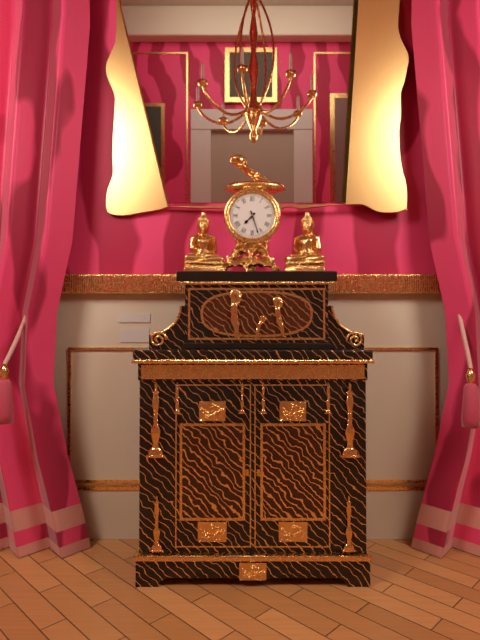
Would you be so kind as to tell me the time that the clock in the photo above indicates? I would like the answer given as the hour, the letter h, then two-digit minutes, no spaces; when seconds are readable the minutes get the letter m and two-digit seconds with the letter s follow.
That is 7h27
